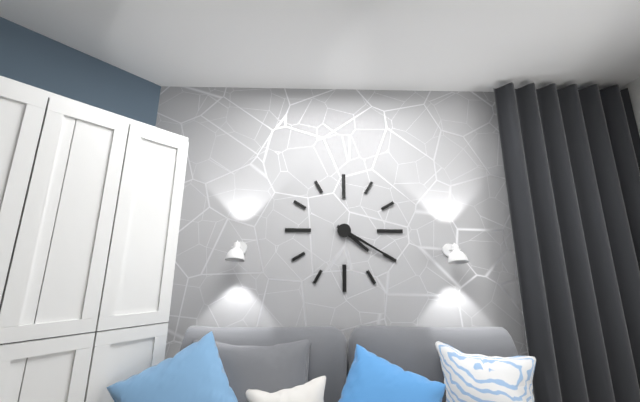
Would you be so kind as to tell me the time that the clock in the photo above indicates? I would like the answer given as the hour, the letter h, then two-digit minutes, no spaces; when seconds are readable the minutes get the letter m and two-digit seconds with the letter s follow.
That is 4h20
